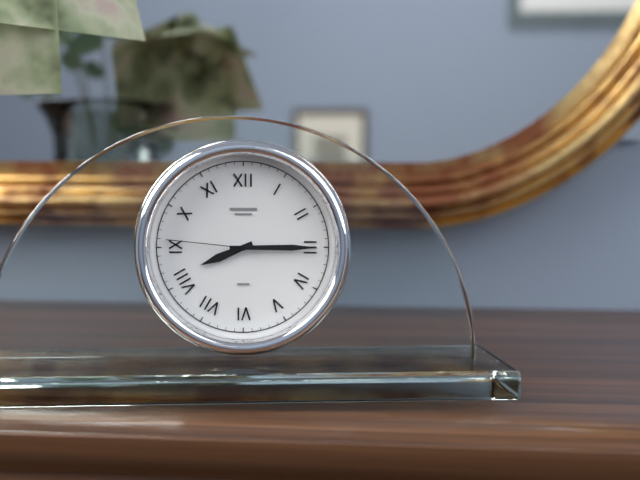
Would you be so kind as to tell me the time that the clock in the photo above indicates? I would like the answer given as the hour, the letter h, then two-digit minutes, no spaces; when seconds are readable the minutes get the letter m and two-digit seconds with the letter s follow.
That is 8h15m46s
